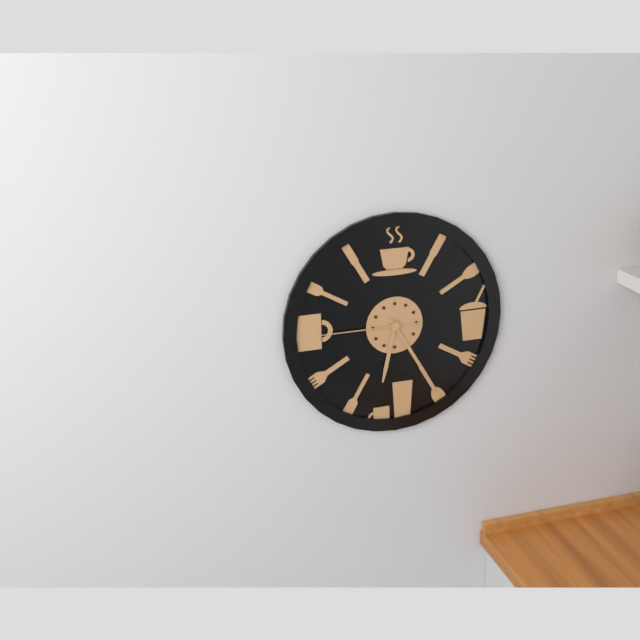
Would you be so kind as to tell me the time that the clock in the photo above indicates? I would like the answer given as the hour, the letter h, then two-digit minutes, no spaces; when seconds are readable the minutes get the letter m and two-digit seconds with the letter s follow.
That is 6h25m45s
